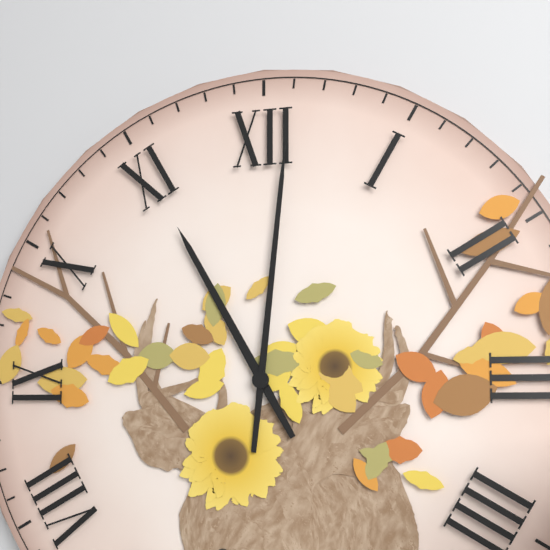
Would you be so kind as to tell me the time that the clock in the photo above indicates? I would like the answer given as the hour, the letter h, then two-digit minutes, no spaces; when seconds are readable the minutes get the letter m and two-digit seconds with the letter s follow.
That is 11h01
